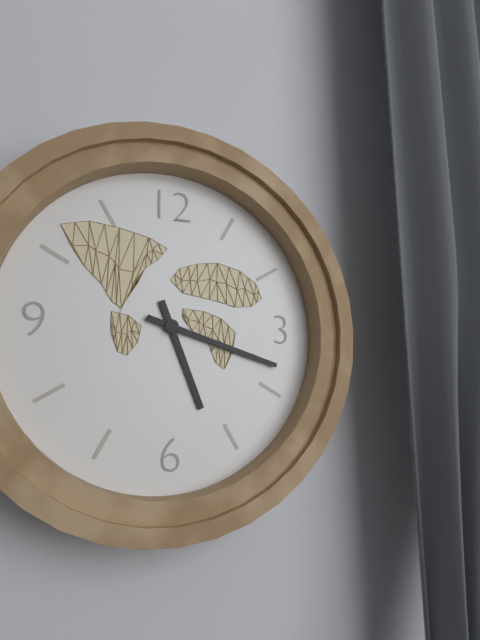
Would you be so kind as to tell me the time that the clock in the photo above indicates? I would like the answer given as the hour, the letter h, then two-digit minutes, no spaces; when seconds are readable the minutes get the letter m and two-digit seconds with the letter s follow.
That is 5h18
